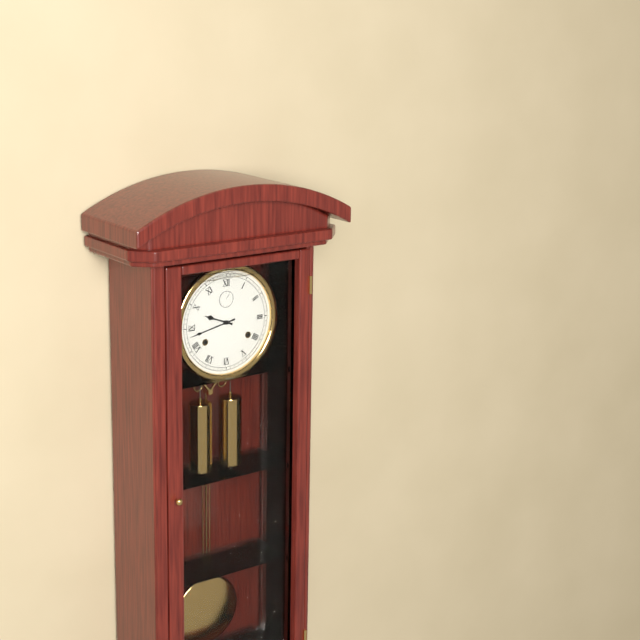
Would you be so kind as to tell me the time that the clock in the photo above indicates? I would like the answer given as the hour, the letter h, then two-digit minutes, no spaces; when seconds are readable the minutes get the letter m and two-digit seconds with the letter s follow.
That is 9h43
